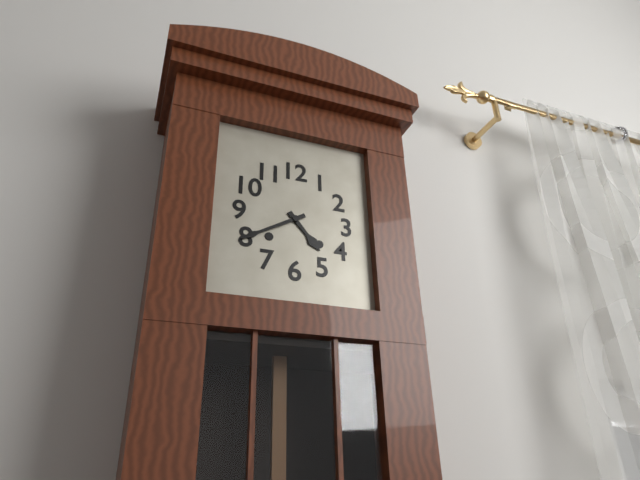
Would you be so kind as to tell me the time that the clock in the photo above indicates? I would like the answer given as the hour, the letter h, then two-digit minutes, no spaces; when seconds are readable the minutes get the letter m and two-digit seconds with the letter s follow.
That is 4h40
